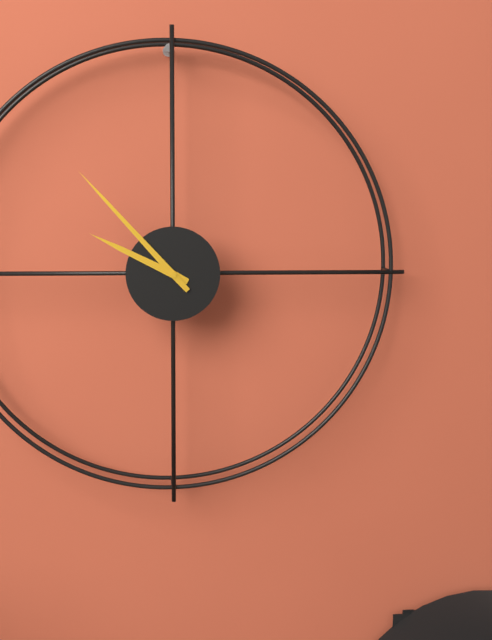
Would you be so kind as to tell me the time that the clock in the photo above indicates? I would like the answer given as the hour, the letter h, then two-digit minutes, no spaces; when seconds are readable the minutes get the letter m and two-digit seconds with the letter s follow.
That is 9h53
